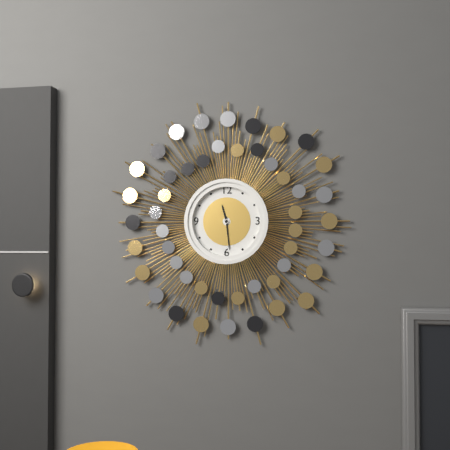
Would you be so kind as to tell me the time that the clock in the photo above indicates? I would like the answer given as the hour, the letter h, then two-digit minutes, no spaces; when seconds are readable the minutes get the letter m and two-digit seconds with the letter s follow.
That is 11h29
